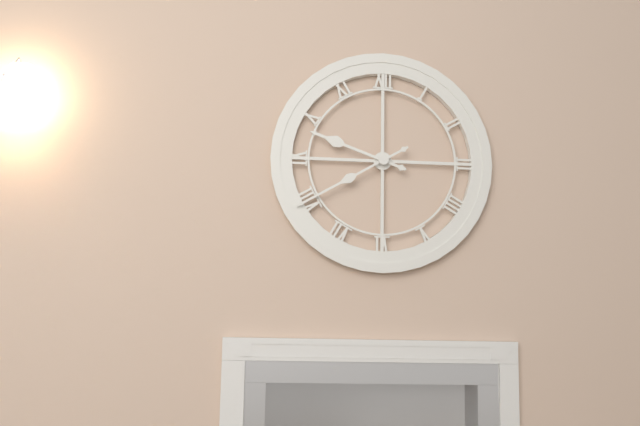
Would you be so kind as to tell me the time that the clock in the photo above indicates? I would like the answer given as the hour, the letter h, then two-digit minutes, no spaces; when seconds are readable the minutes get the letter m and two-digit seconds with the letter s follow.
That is 9h40
